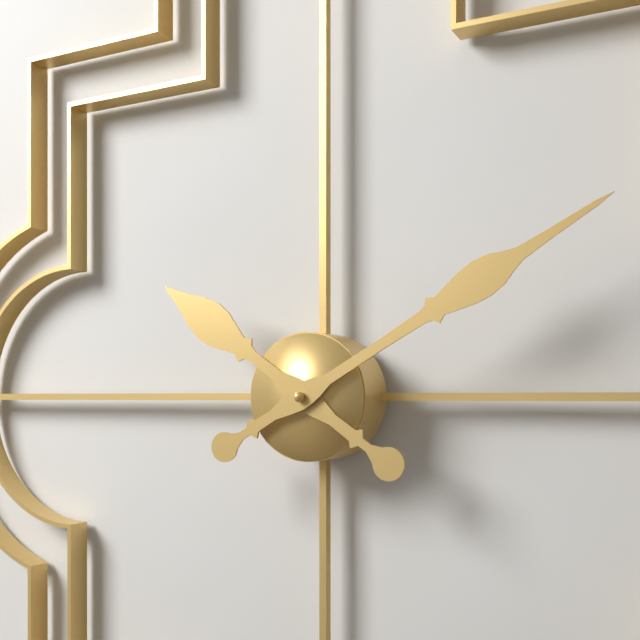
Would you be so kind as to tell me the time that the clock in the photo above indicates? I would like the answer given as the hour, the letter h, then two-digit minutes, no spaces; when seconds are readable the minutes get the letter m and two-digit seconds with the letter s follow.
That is 10h10
